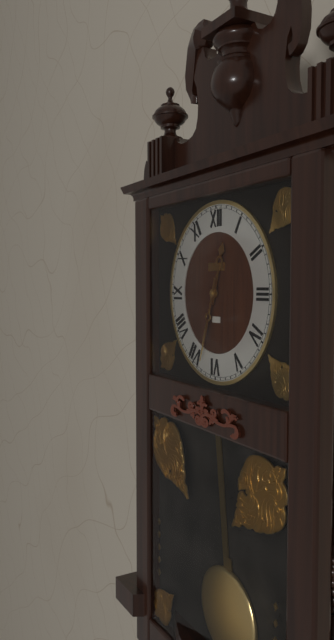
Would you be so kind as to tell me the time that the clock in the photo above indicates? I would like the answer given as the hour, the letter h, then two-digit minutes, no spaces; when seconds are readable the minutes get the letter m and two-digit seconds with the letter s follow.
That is 12h33
